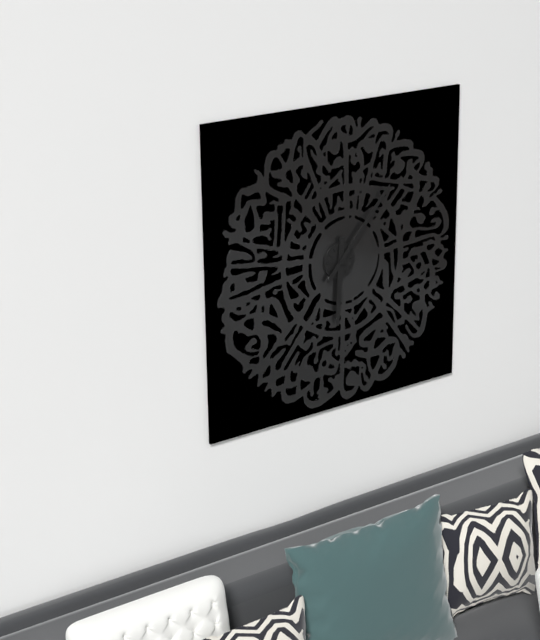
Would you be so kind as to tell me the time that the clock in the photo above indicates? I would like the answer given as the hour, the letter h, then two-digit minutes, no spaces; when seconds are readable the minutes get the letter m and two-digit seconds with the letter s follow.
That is 6h07
